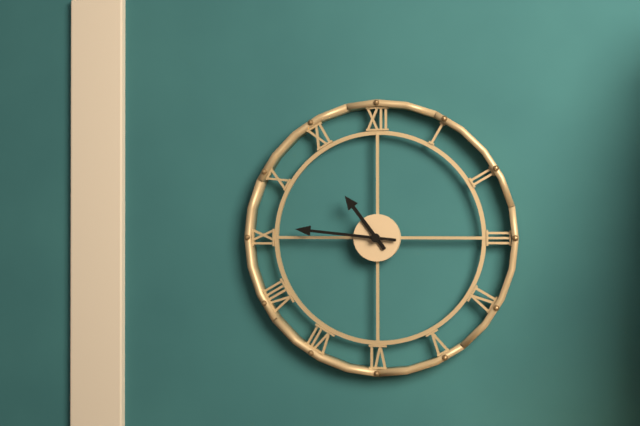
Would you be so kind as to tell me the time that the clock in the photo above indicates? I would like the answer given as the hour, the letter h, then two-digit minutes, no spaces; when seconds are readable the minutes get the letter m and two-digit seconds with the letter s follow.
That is 10h46
